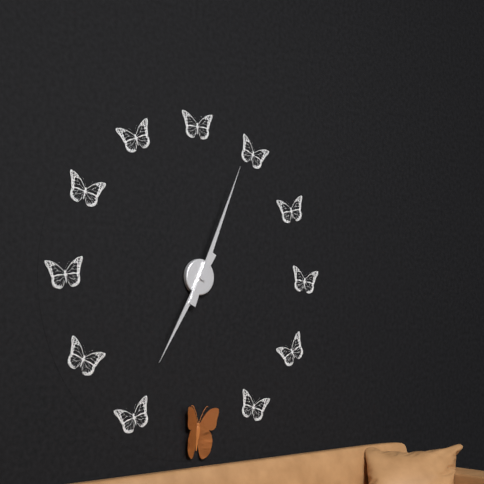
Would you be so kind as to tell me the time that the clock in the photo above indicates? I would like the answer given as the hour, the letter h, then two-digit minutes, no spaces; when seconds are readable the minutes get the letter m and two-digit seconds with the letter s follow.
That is 7h04
